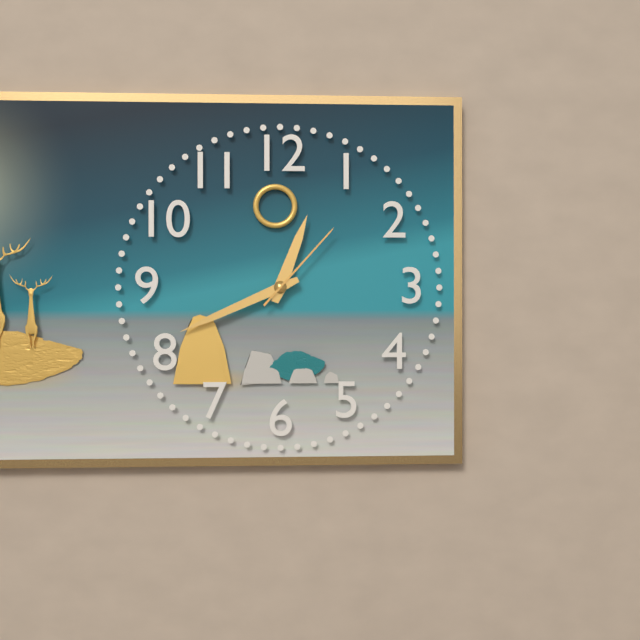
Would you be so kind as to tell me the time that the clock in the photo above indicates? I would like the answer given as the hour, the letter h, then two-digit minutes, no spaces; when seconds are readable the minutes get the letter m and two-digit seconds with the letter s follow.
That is 12h41m07s
